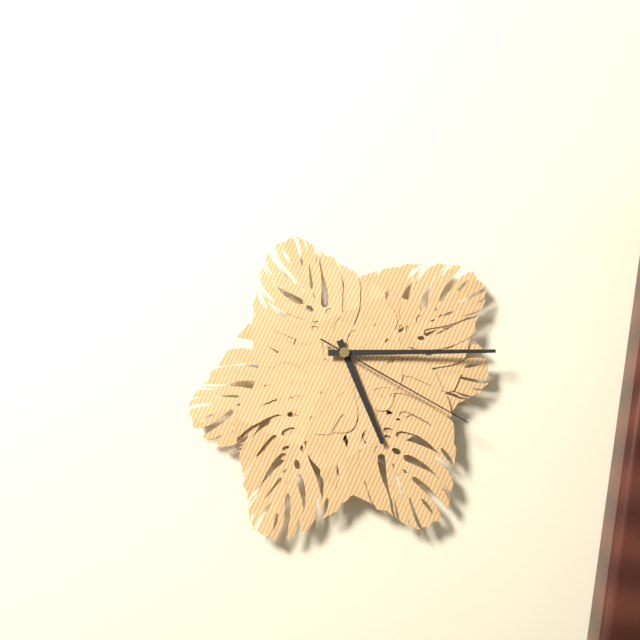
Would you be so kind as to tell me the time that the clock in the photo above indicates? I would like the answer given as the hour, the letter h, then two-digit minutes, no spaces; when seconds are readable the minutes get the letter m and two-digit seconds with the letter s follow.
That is 5h15m20s
